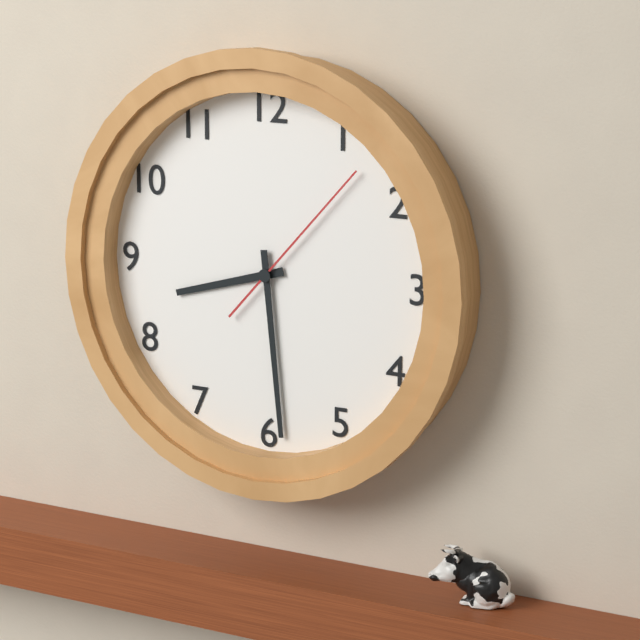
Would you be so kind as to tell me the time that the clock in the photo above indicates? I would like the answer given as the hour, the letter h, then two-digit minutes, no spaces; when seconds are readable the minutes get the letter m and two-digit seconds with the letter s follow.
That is 8h29m07s
